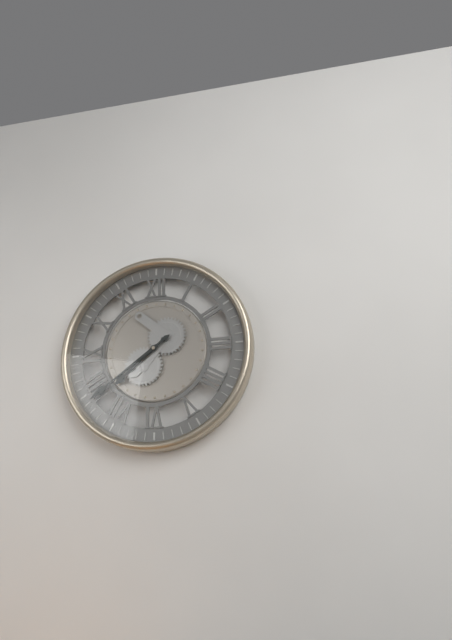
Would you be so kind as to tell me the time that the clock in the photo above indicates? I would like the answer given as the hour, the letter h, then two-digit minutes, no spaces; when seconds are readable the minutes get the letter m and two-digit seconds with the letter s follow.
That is 7h39
